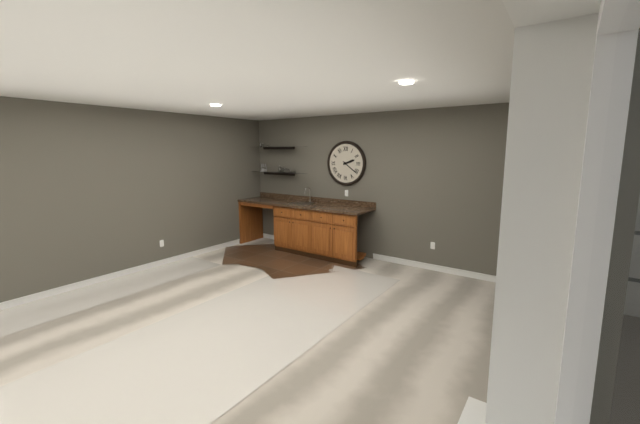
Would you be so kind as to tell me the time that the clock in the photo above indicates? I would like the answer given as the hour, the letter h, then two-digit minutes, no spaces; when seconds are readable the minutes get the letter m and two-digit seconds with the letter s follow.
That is 2h21
